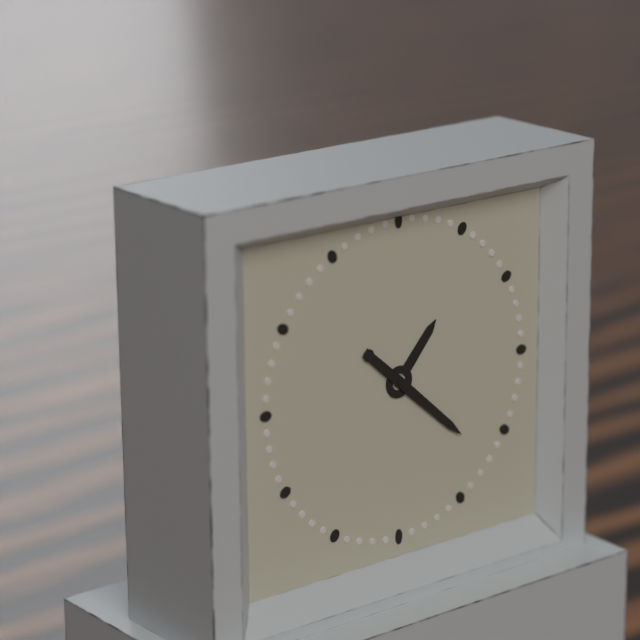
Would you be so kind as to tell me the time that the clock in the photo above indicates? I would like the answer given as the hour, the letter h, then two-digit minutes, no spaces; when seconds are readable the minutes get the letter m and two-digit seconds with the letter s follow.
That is 1h22
